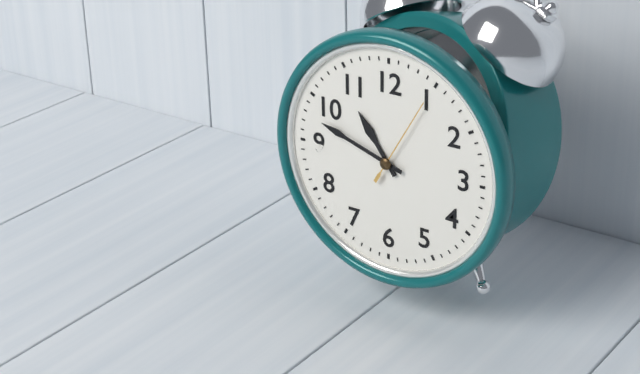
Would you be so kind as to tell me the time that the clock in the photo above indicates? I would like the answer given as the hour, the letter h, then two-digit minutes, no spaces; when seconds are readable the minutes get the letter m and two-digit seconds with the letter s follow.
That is 10h48m05s
